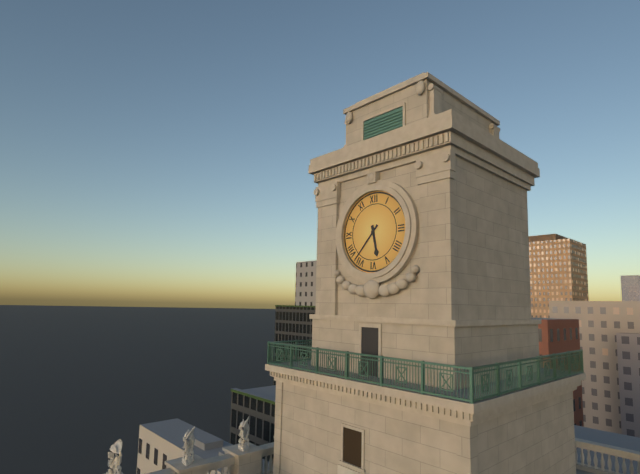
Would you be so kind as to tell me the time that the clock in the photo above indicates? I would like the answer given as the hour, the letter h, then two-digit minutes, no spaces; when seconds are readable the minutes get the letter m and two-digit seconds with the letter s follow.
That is 5h37
